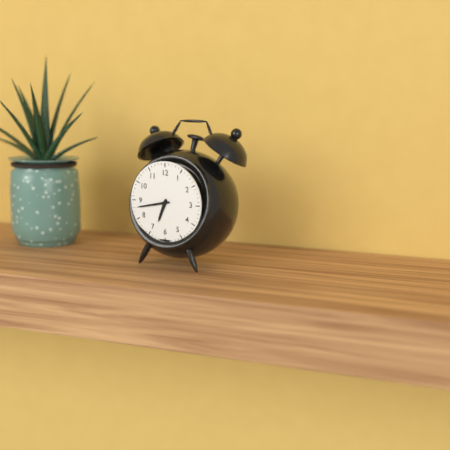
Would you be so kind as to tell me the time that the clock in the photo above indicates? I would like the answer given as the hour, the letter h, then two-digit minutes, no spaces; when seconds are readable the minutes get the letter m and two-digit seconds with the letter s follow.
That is 6h43
